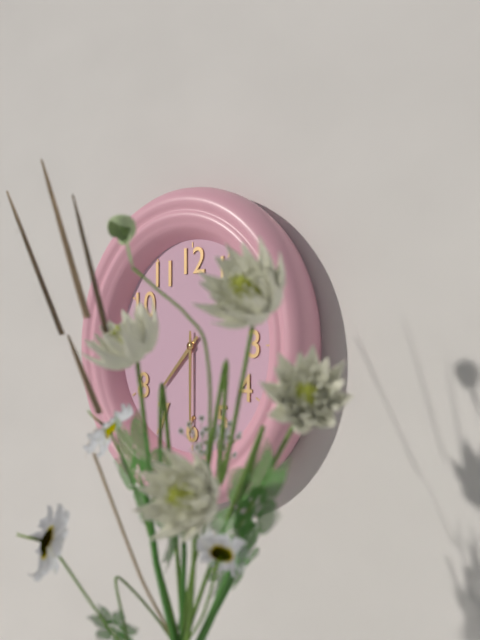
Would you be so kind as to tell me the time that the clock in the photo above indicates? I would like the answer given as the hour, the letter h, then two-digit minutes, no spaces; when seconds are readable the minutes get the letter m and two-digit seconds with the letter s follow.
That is 7h30
